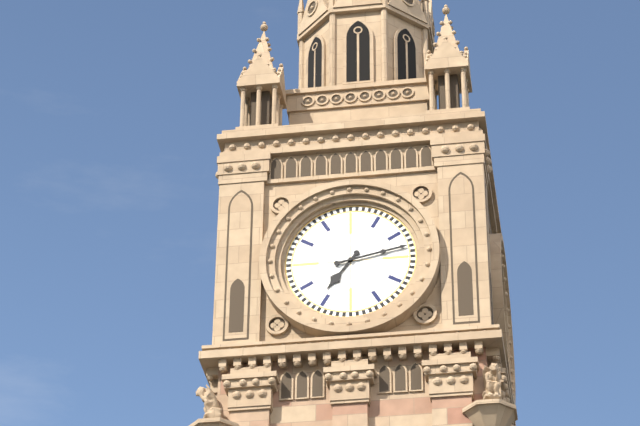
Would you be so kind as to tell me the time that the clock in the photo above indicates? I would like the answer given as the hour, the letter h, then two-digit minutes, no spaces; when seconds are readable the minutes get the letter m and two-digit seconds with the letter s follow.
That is 7h13
